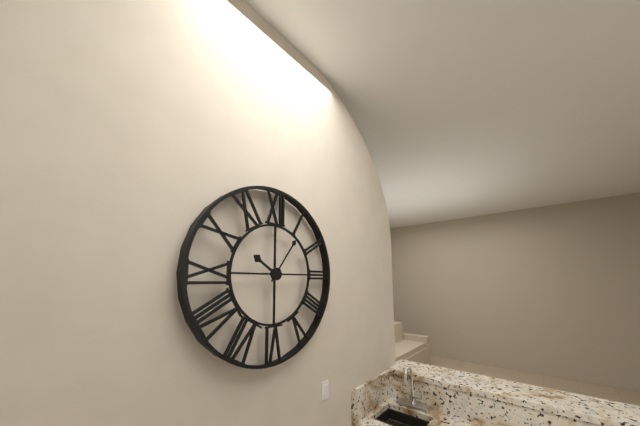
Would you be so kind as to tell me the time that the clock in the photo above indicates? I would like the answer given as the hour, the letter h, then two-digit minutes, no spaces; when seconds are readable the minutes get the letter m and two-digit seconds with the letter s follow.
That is 10h06
